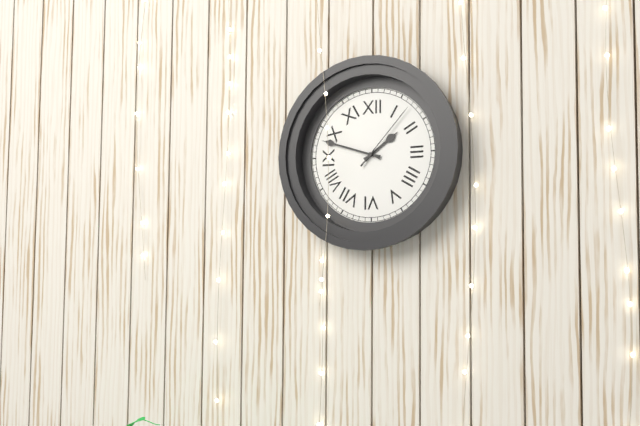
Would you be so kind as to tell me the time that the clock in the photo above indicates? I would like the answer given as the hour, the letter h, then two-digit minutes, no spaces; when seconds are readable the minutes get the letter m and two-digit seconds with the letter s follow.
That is 1h48m07s
